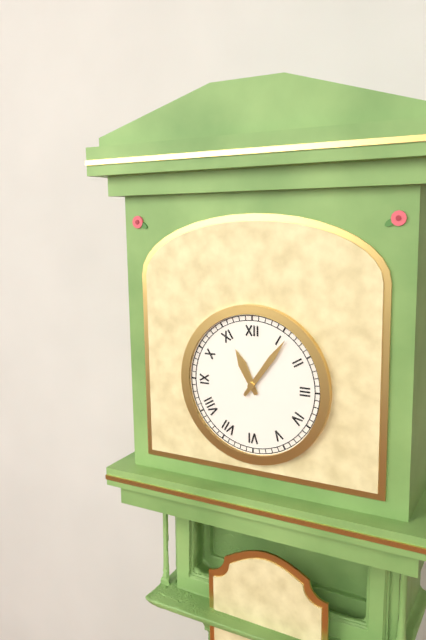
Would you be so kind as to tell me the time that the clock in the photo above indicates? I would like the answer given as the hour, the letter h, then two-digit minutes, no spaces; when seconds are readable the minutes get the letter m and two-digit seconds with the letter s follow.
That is 11h06
